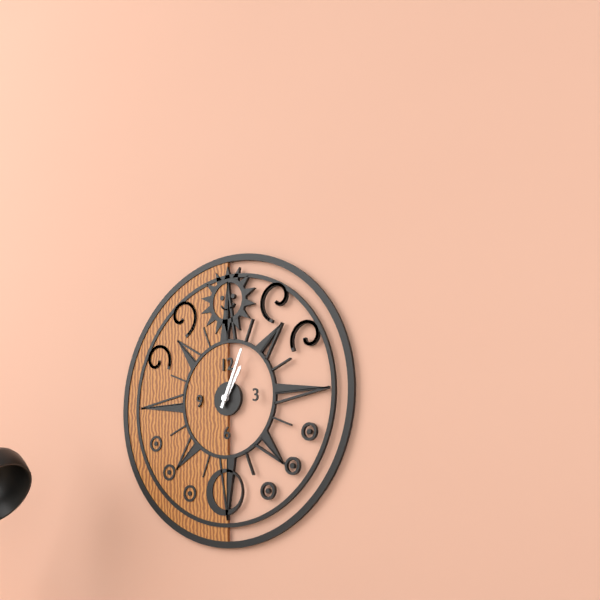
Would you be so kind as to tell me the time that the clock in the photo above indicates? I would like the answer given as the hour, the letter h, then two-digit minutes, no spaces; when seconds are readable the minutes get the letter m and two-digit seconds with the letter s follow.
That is 1h04
